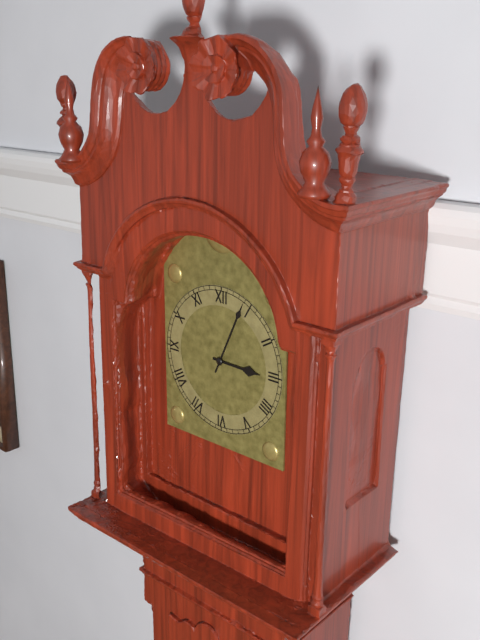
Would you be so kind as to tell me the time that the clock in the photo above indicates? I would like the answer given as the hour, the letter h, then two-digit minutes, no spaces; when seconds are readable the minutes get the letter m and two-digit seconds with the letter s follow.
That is 3h04
